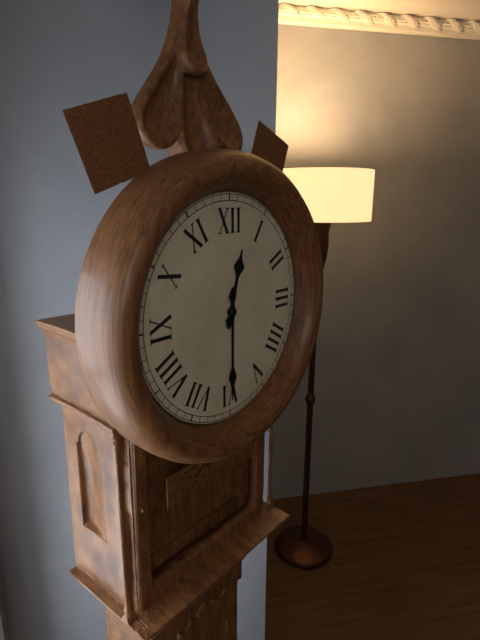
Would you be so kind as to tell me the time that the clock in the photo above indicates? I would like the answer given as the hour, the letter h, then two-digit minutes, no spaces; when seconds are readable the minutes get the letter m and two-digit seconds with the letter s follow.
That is 12h30
